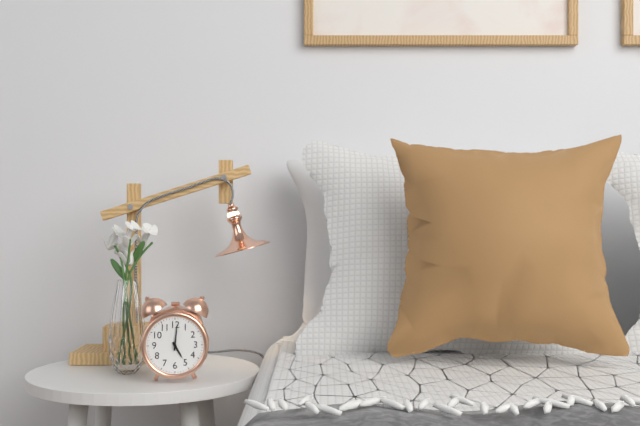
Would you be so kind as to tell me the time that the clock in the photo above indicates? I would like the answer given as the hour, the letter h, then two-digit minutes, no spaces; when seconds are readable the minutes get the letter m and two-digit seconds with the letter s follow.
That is 5h01
